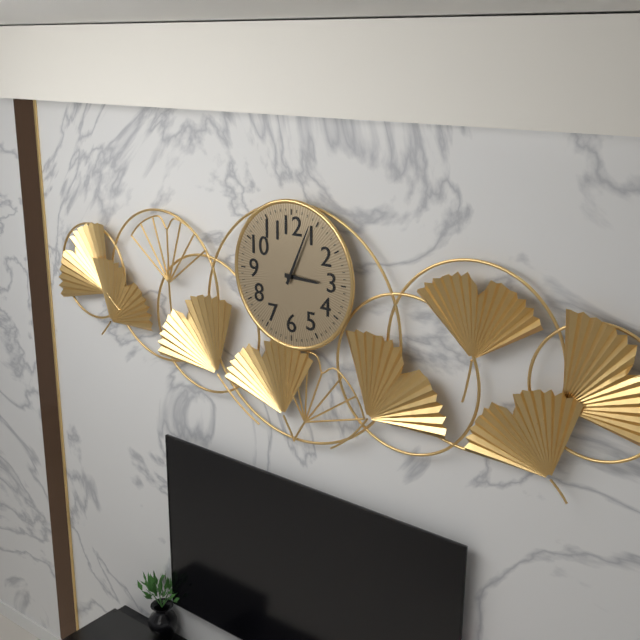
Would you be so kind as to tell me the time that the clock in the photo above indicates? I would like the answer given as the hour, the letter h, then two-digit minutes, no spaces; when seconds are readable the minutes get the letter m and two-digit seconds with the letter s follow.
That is 3h04
